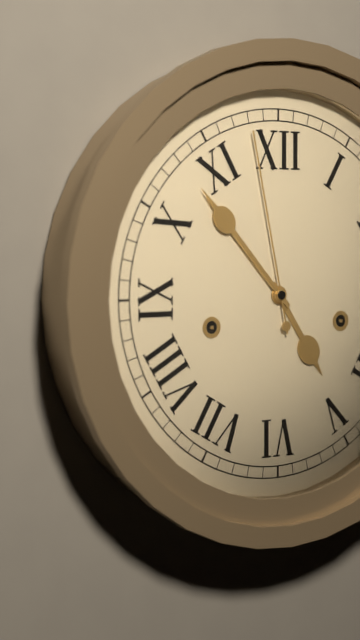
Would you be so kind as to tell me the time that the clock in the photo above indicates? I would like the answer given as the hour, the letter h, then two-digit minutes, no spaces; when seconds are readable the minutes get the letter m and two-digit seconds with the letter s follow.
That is 4h53m58s
